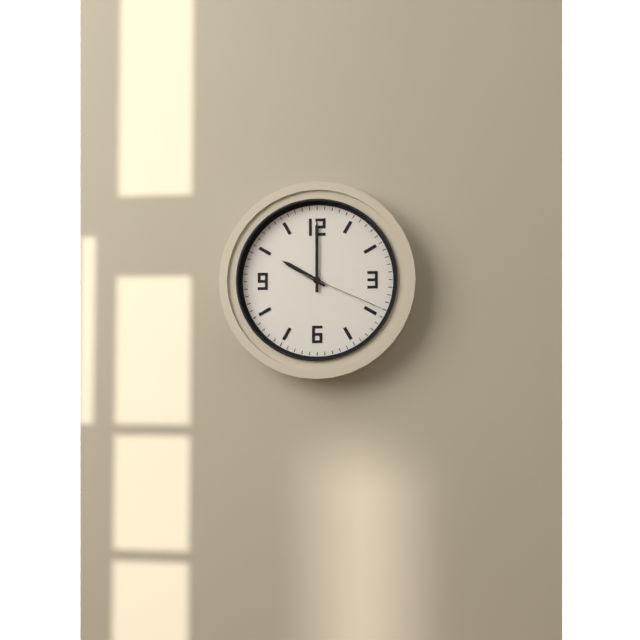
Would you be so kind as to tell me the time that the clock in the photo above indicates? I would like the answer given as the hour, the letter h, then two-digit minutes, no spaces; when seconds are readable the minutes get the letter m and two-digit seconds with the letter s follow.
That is 10h00m19s
